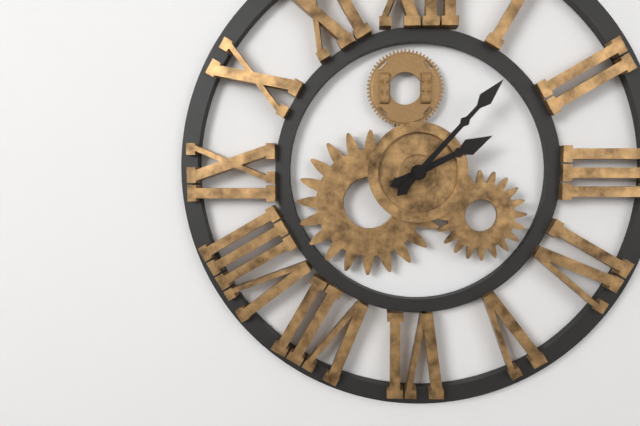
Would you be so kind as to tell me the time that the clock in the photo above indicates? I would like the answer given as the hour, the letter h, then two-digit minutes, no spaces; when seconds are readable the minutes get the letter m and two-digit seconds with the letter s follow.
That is 2h07
